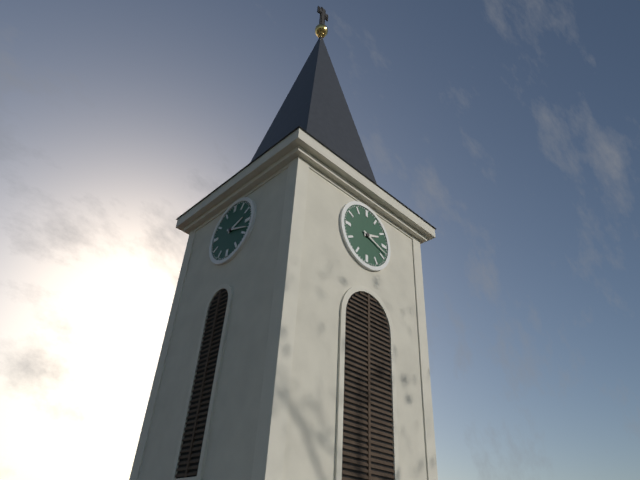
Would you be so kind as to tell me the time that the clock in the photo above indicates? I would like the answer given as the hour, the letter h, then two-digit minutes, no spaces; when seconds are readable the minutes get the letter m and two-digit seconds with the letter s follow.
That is 2h18
